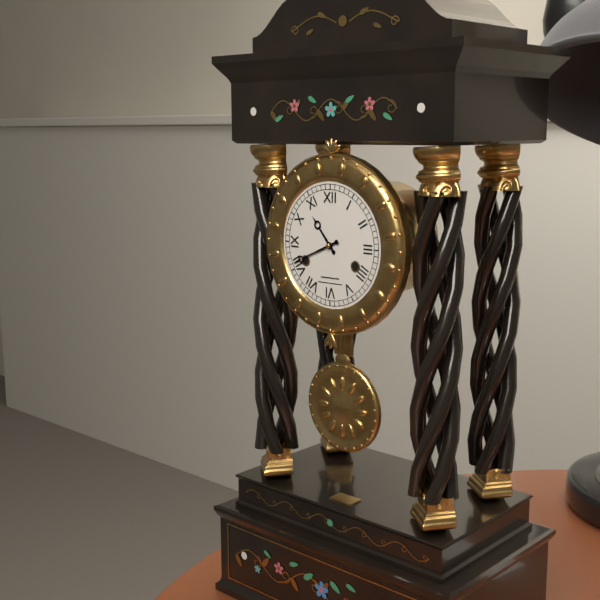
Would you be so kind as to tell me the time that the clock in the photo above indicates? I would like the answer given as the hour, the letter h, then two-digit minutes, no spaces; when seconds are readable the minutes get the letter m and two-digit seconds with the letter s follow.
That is 10h41
